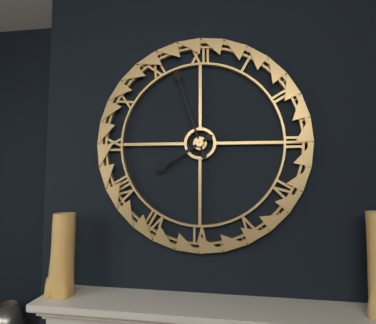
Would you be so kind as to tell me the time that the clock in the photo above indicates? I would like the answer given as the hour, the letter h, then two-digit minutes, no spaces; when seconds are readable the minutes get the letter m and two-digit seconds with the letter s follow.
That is 7h57
